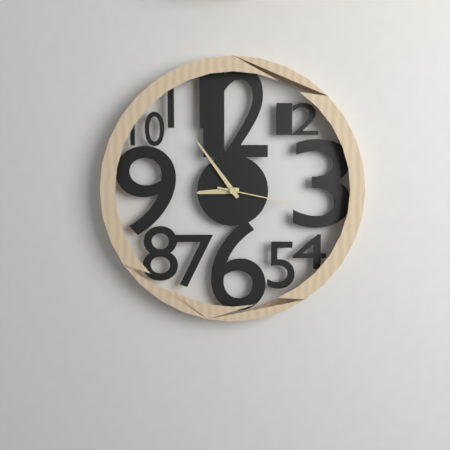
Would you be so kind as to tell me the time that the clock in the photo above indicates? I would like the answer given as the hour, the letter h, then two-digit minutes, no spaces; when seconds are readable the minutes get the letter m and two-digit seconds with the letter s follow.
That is 8h54m17s
